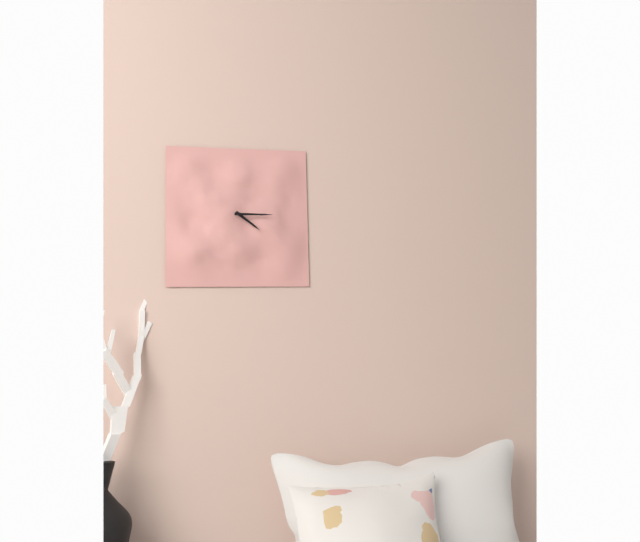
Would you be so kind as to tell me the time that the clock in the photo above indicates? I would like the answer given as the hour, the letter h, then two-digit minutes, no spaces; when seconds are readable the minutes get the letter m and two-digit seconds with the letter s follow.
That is 4h15
